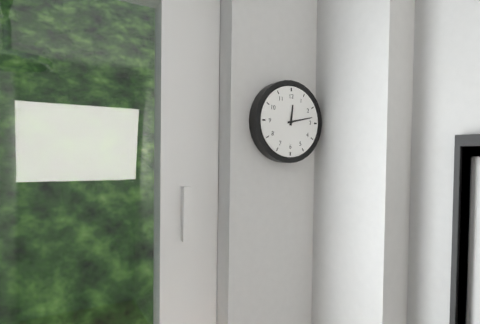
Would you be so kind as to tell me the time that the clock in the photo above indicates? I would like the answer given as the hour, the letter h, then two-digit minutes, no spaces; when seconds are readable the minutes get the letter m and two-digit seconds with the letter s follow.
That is 12h13
